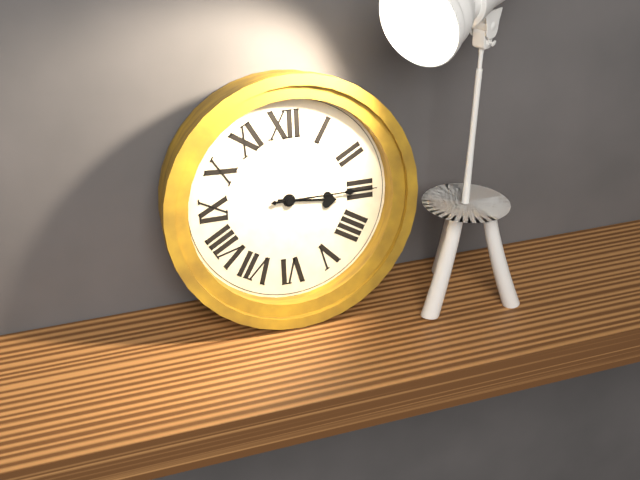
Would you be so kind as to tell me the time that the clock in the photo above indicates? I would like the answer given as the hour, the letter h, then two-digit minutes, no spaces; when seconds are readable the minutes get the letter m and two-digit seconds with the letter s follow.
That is 3h15
